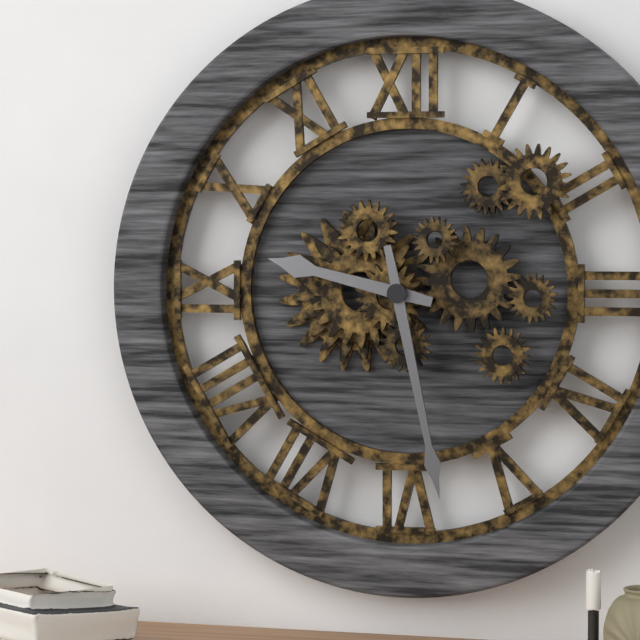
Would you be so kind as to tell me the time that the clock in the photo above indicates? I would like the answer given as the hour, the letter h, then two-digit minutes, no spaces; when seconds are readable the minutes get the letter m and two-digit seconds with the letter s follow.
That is 9h28
